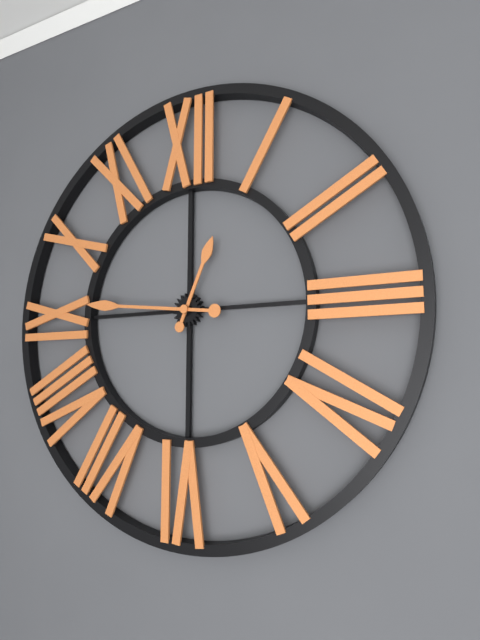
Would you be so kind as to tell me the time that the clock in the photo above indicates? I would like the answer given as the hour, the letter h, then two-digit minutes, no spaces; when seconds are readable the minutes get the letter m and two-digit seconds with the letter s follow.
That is 12h46
